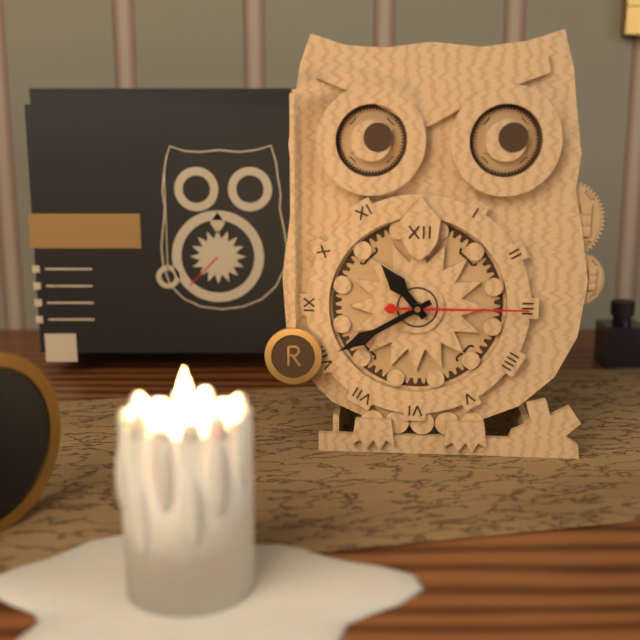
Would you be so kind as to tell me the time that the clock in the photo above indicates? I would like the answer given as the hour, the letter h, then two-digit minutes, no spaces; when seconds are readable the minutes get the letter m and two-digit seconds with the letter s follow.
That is 10h40m15s
